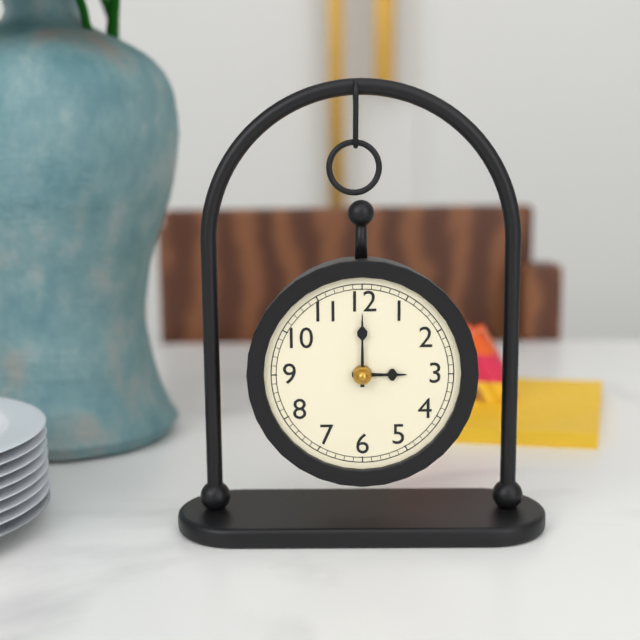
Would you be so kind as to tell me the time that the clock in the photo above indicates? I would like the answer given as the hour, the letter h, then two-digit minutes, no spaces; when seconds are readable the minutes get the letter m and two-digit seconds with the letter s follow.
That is 3h00
